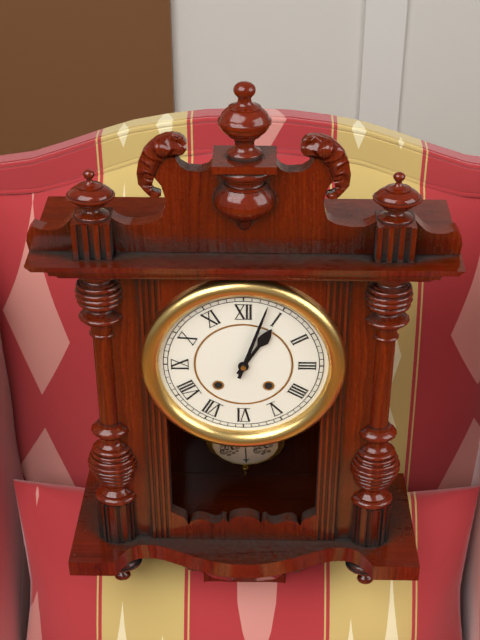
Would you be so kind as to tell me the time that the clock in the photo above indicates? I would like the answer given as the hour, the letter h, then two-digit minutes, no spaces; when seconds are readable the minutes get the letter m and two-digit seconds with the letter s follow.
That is 1h03
